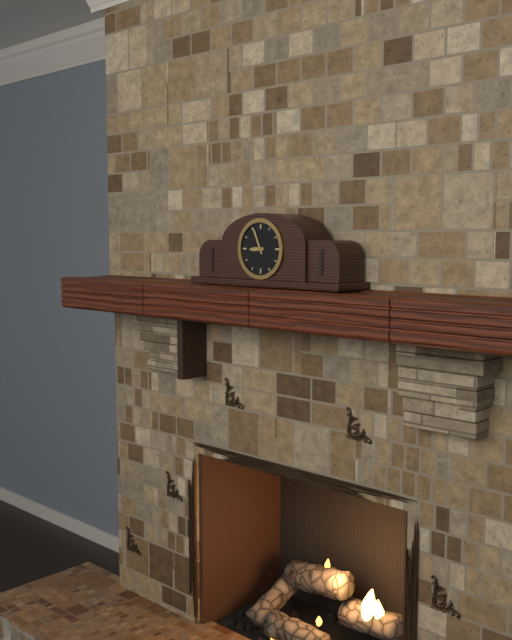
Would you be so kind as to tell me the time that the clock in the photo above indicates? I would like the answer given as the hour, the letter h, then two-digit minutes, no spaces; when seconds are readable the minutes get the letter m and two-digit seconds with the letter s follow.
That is 8h56
